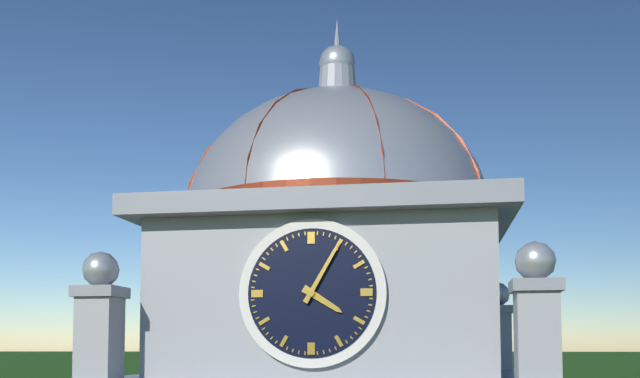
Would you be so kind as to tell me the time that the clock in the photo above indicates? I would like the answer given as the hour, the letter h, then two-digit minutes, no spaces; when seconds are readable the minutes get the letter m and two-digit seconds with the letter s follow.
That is 4h05
